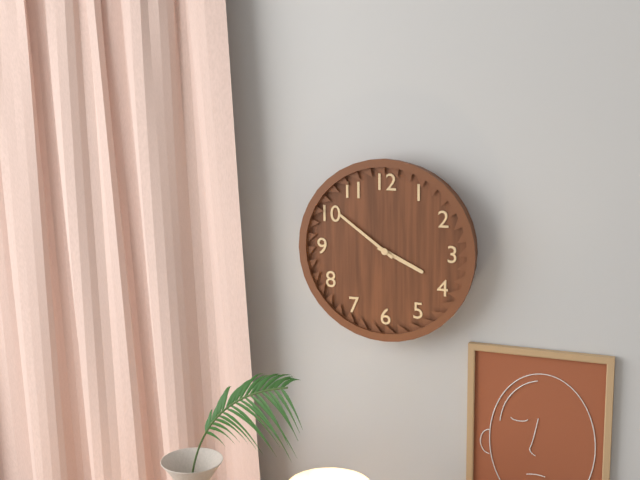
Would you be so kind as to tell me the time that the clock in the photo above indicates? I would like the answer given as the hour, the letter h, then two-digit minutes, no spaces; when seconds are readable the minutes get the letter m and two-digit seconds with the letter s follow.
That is 3h51
